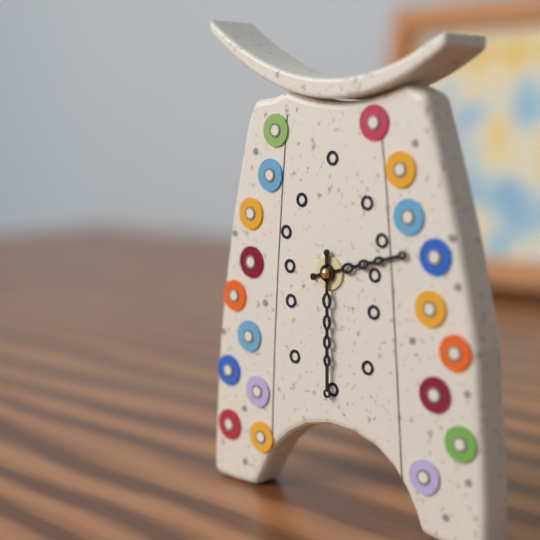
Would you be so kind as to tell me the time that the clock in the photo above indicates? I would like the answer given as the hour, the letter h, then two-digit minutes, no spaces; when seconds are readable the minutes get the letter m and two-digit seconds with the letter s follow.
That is 2h30
